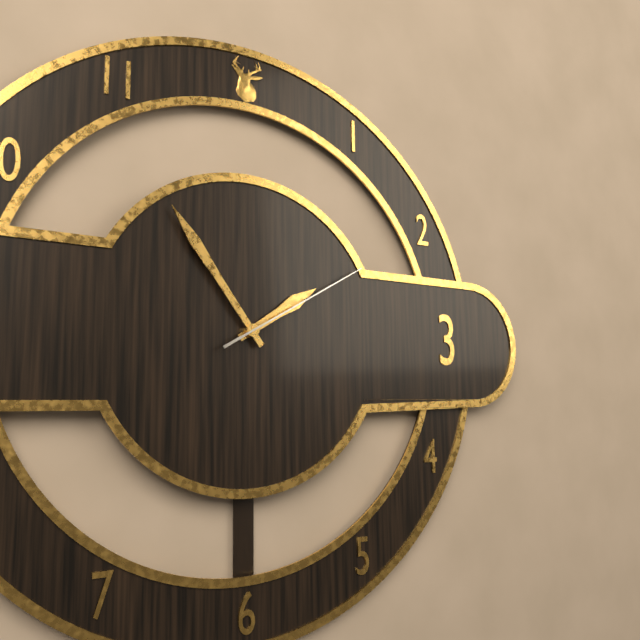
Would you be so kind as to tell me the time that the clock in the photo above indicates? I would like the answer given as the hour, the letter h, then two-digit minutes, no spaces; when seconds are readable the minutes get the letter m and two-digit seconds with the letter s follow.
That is 1h54m10s
